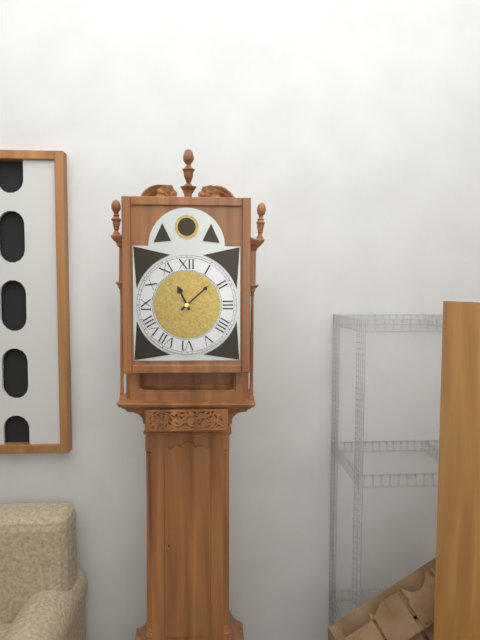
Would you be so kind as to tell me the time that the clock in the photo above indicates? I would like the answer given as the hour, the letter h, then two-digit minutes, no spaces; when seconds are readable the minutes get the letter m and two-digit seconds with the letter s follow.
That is 11h08
